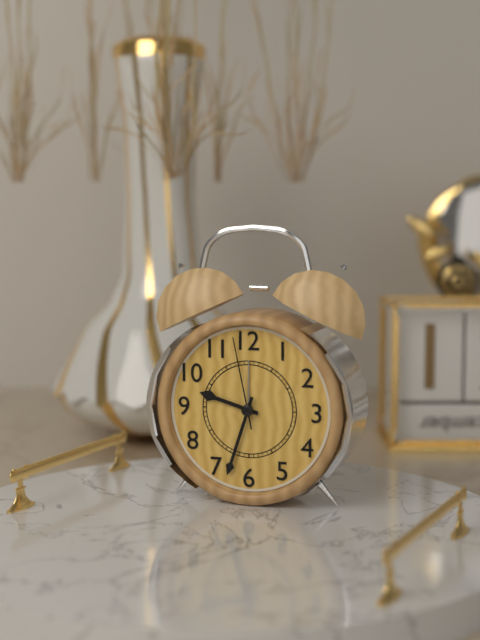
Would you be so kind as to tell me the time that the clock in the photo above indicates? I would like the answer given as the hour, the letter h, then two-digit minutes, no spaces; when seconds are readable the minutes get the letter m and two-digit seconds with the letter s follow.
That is 9h33m58s
